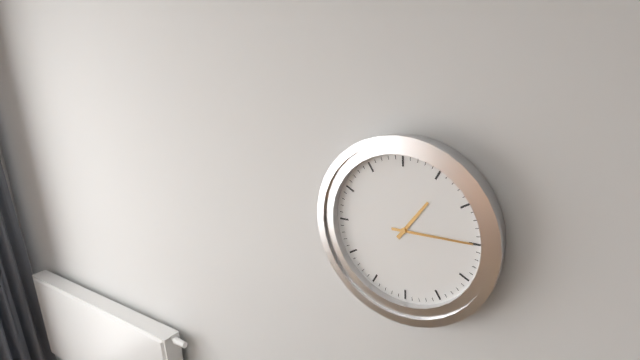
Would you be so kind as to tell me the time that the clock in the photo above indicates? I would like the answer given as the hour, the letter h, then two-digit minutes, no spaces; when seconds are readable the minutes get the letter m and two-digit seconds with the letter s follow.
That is 1h15
